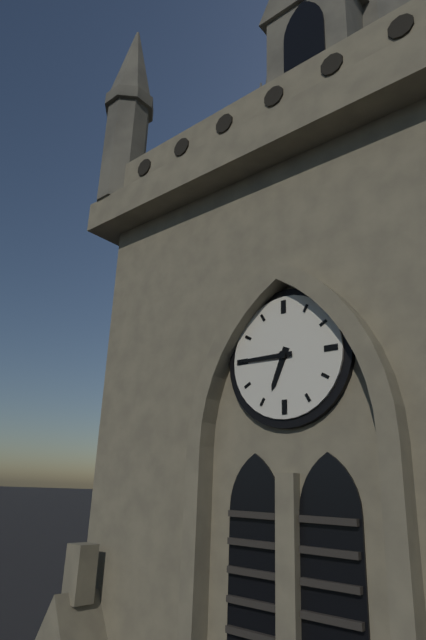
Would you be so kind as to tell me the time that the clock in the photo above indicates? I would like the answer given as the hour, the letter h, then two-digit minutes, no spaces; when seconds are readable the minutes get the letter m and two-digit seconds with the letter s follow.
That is 6h45
